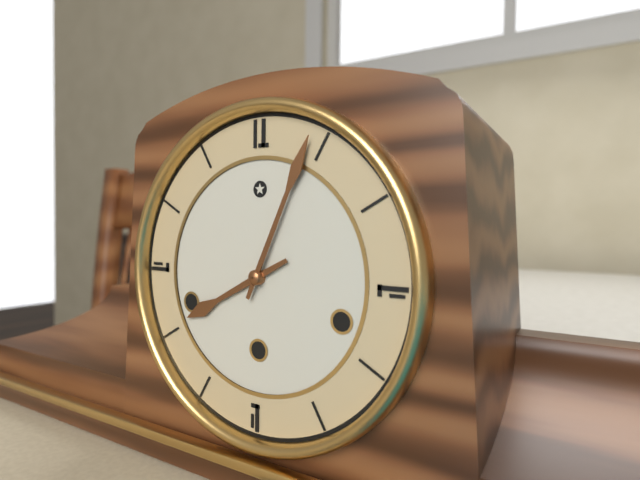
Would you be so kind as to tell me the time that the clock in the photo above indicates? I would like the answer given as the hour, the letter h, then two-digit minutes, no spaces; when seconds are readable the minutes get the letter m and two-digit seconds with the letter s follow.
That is 8h04
